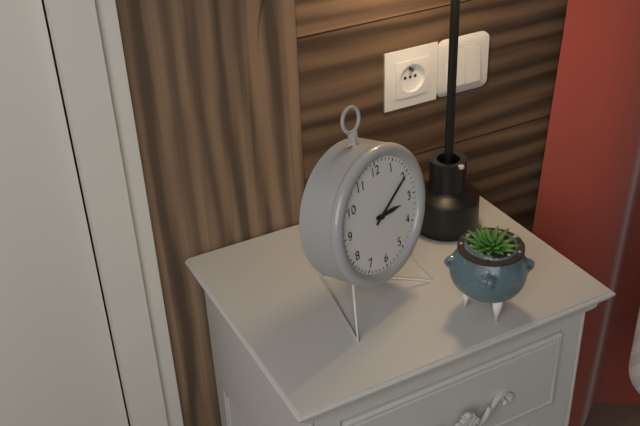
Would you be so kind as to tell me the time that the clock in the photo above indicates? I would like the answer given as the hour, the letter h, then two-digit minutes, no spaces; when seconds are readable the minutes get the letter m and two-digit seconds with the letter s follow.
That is 3h10
